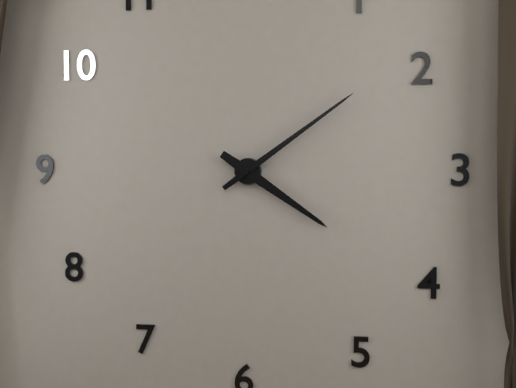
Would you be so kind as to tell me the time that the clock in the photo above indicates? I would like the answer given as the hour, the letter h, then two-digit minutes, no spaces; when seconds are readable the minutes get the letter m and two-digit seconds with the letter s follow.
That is 4h09
